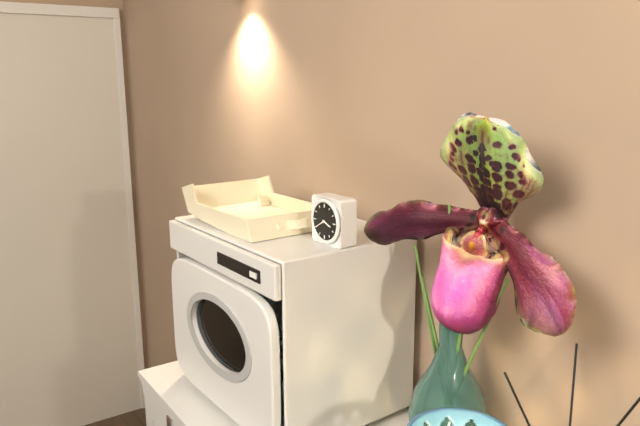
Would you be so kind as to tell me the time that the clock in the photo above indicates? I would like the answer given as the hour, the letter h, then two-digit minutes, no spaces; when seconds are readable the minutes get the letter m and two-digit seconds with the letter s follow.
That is 3h40
